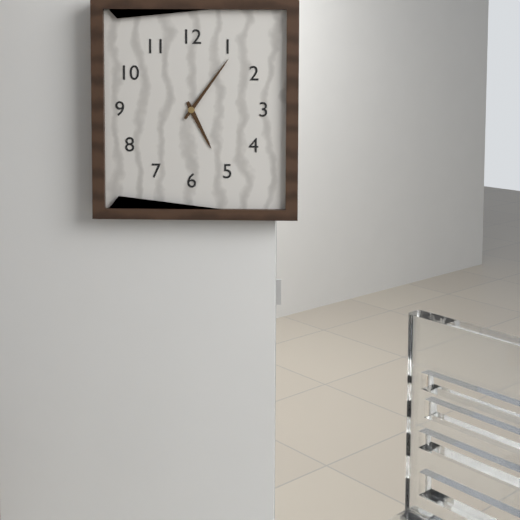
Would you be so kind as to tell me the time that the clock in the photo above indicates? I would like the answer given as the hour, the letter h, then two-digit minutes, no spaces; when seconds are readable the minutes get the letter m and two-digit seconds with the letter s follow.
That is 5h06
